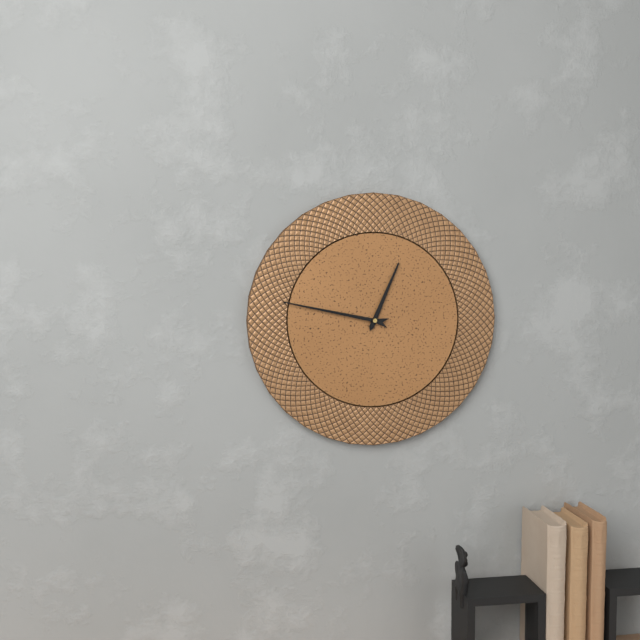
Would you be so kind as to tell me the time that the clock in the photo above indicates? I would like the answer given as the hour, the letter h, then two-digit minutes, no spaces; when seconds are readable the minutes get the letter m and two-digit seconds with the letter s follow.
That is 12h47
